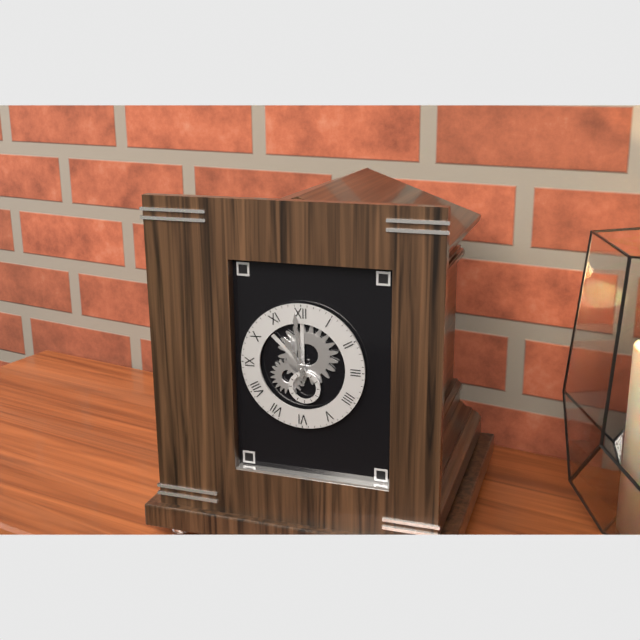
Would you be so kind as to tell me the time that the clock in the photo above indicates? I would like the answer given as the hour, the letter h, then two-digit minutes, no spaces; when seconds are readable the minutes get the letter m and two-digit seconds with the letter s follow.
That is 10h59
